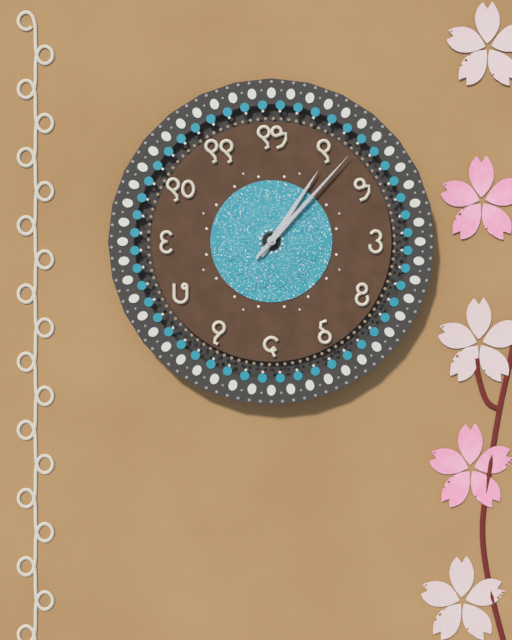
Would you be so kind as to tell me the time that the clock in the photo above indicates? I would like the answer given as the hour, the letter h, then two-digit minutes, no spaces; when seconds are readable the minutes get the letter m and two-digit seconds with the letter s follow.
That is 1h07
